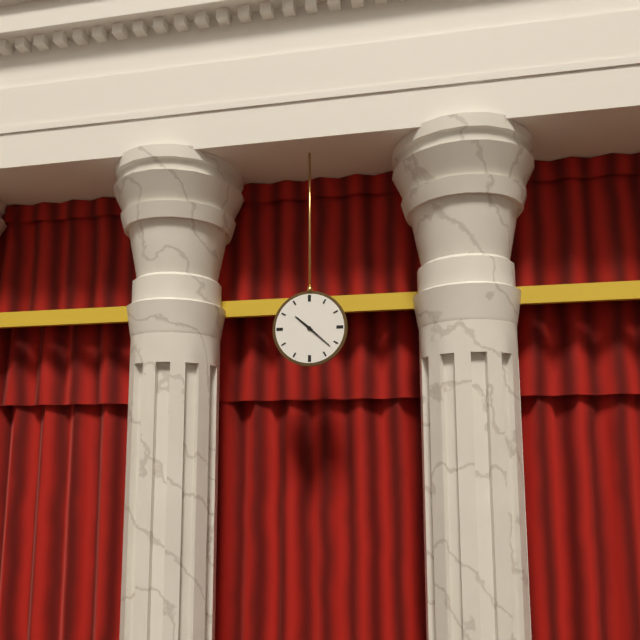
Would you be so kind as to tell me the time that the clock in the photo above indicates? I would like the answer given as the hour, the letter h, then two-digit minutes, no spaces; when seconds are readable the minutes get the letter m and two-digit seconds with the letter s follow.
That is 10h22
